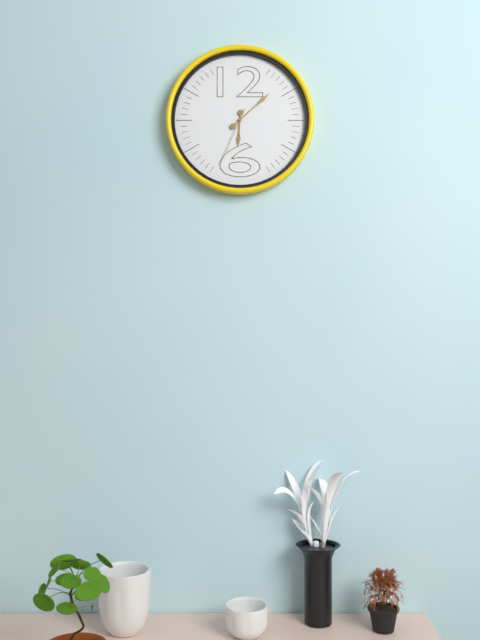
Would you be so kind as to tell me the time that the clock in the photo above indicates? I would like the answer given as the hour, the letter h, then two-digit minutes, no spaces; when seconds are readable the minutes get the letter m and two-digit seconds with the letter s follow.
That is 6h08m34s
